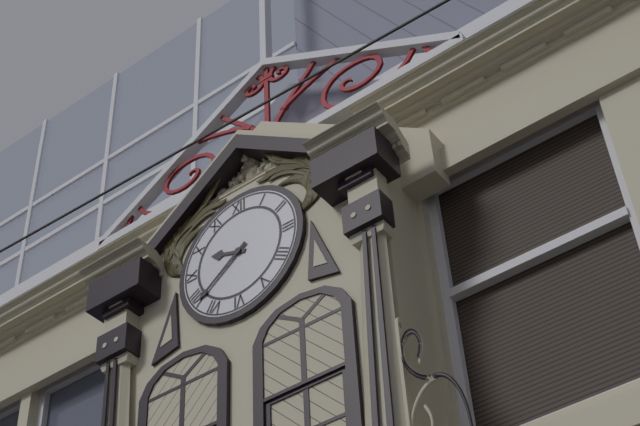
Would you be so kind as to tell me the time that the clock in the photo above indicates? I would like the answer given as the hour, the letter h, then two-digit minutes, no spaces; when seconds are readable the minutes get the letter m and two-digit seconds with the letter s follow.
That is 9h39
